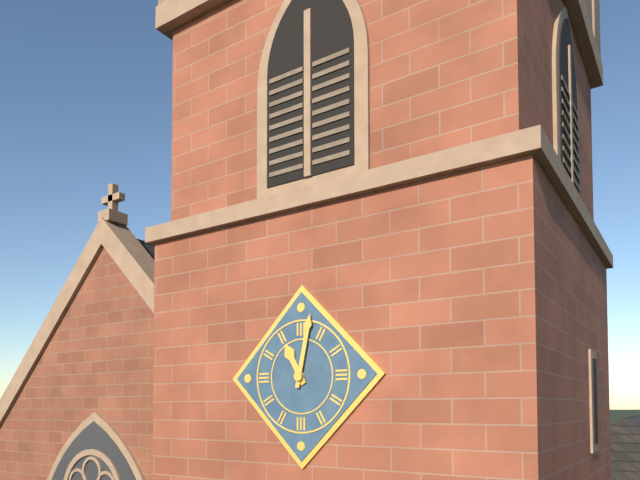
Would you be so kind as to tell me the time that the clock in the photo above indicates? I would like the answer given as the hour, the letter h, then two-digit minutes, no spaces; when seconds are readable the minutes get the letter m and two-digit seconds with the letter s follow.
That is 11h02
